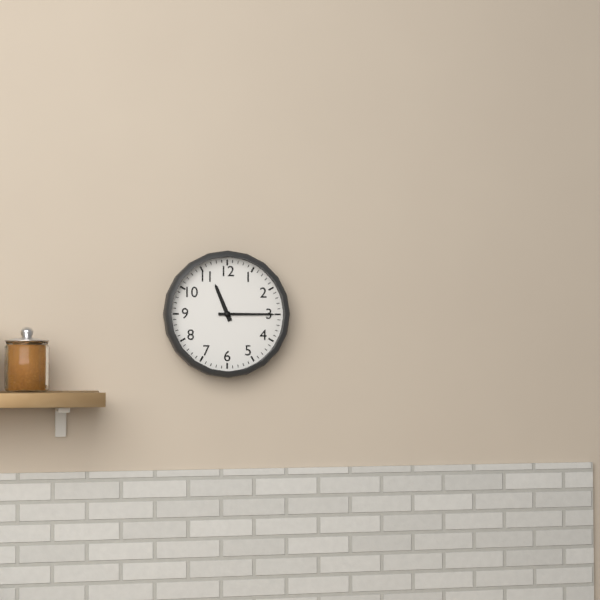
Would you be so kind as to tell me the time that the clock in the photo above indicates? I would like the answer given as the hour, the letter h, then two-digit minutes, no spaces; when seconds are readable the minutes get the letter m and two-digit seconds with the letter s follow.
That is 11h15
